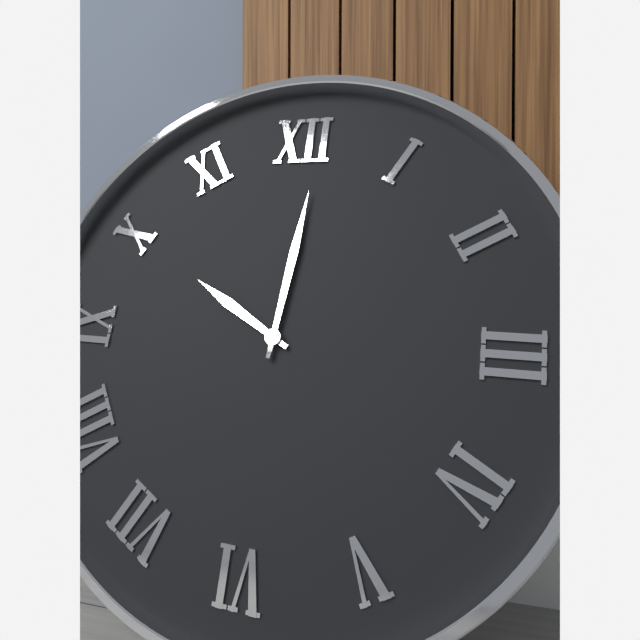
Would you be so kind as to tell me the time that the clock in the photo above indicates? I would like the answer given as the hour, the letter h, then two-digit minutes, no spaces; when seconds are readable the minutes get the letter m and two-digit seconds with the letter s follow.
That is 10h01
